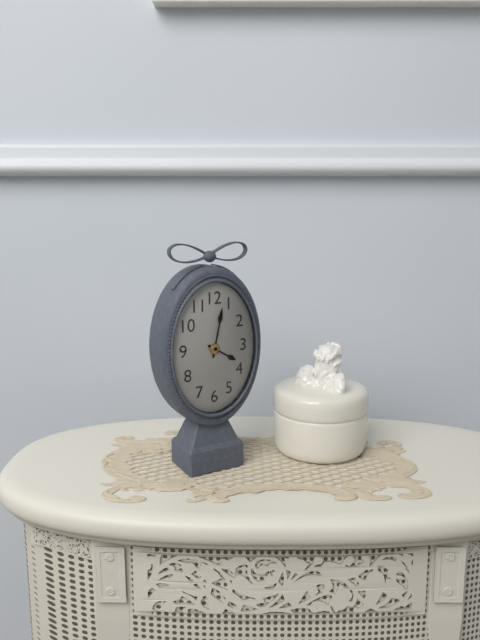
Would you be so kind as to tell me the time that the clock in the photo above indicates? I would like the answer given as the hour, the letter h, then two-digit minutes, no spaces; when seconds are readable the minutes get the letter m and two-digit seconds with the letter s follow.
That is 4h02
